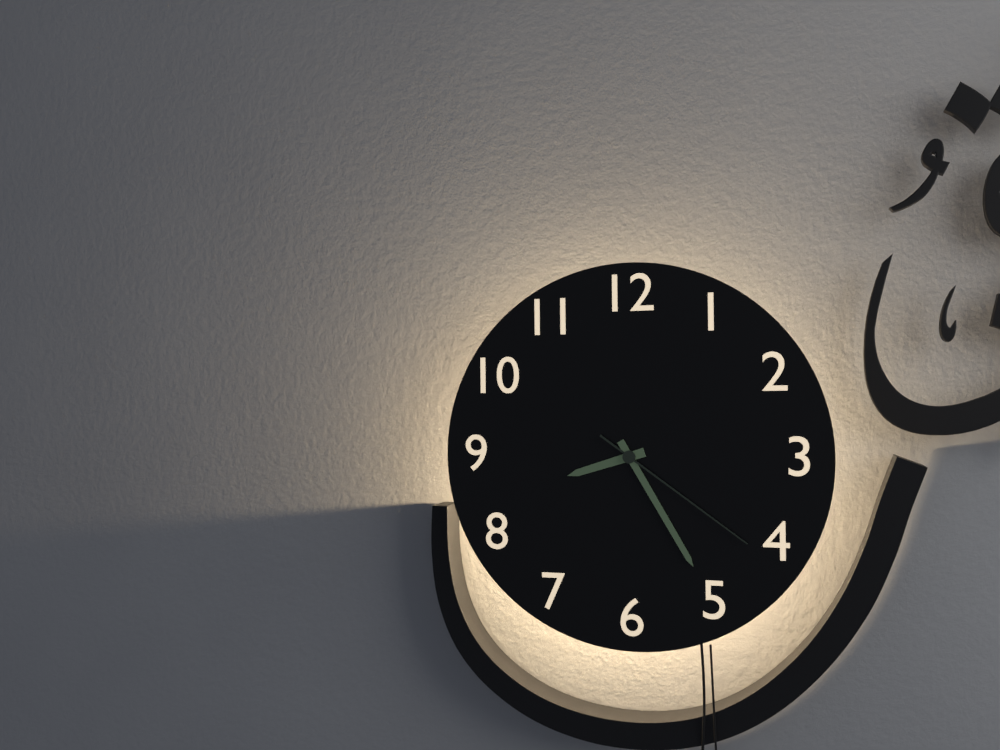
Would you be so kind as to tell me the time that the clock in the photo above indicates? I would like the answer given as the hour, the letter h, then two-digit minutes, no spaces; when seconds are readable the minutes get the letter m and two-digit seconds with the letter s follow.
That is 8h25m21s
